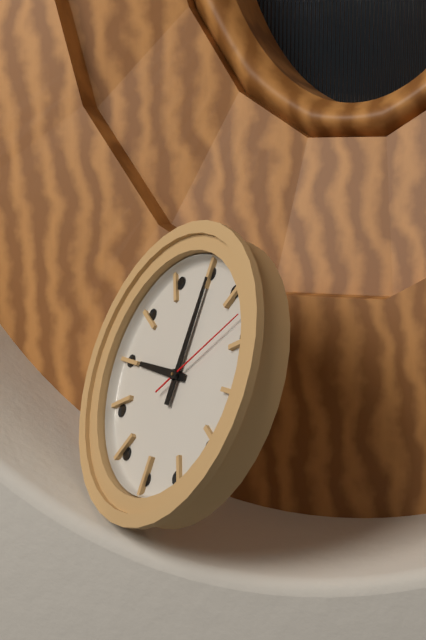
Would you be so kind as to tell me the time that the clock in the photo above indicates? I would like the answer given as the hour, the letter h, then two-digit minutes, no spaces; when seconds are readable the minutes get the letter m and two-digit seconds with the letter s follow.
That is 9h00m08s
